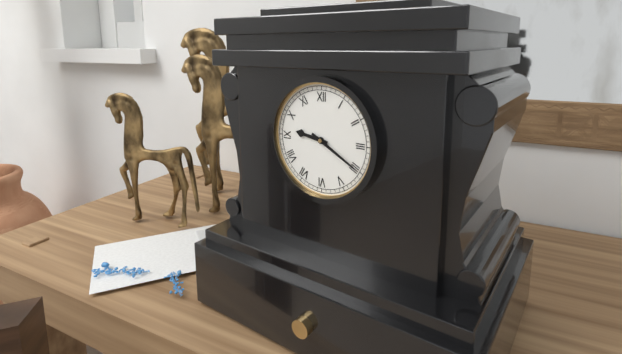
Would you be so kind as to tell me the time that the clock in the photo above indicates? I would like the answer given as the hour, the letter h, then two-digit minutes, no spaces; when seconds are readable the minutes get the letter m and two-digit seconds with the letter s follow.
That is 9h20
